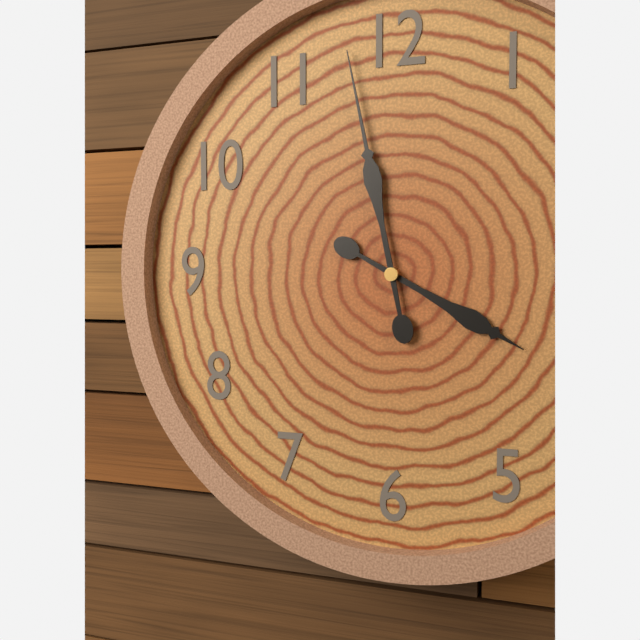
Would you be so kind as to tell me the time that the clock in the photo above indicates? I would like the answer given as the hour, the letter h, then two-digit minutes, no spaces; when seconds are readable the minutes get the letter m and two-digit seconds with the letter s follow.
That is 3h58
